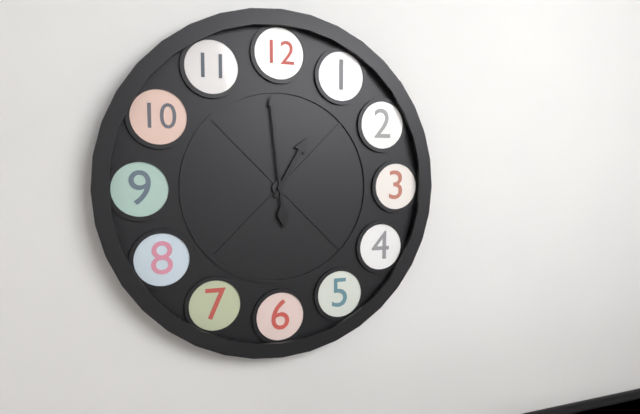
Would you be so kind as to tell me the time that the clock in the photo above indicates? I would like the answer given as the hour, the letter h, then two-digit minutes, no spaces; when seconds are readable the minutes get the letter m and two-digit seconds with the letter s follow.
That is 12h59
